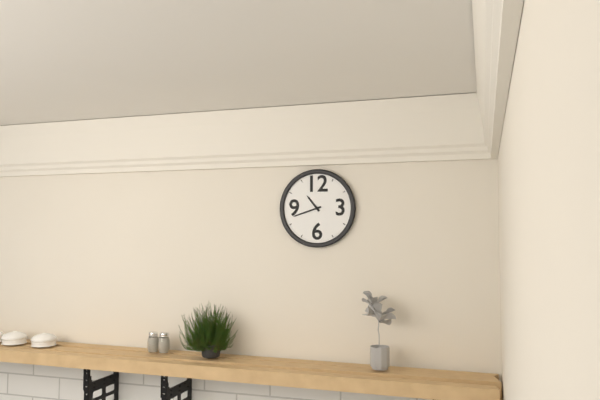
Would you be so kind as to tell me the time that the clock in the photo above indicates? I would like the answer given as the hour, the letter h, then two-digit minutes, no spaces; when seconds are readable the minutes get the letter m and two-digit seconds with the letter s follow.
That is 10h42
